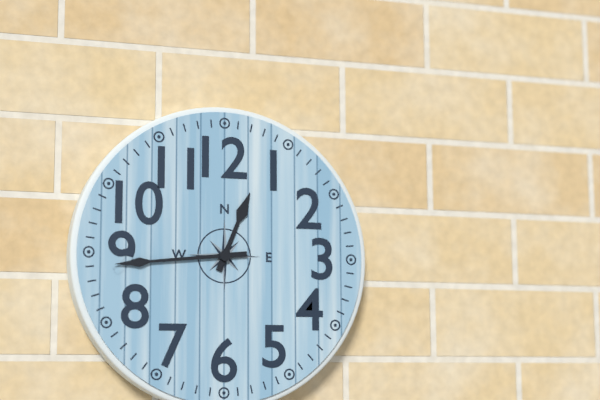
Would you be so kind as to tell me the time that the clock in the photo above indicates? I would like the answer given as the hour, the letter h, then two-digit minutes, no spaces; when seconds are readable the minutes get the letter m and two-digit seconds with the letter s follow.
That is 12h44
